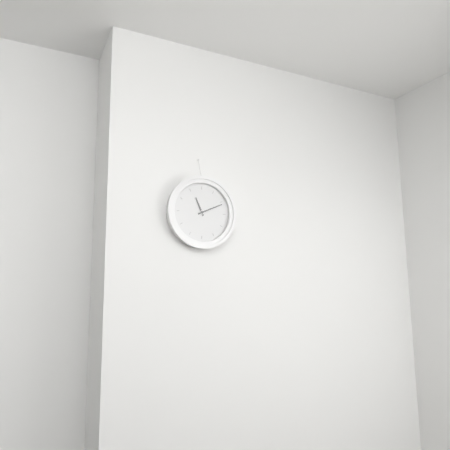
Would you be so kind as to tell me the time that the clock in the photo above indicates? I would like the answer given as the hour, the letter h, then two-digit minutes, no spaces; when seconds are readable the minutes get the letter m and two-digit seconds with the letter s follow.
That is 11h11
